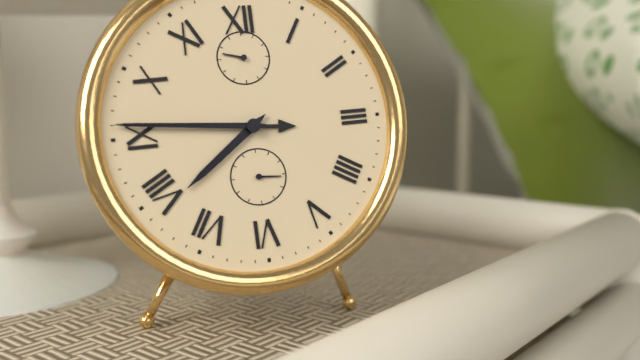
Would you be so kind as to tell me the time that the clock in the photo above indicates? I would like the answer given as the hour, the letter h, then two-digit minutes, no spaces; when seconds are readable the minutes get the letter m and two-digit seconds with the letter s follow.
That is 7h46
